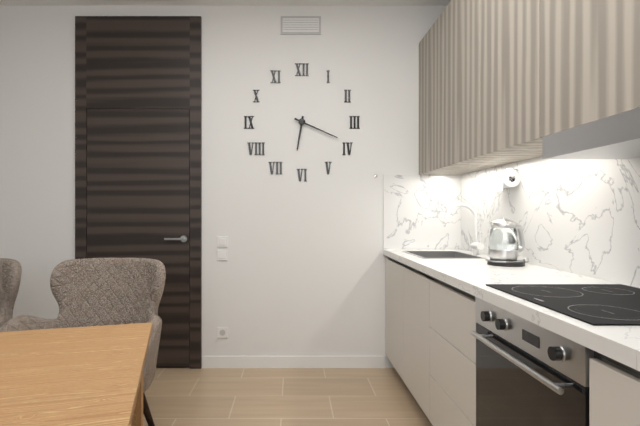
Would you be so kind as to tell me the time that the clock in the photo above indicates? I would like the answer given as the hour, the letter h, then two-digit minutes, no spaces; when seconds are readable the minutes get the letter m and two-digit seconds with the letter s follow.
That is 6h19
